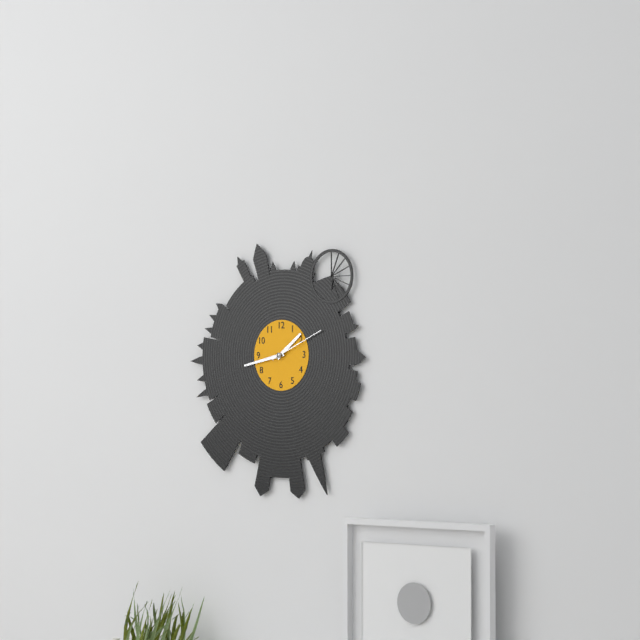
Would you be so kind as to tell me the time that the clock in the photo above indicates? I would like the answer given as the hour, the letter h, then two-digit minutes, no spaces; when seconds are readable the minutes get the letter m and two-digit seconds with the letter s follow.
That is 1h43m11s
